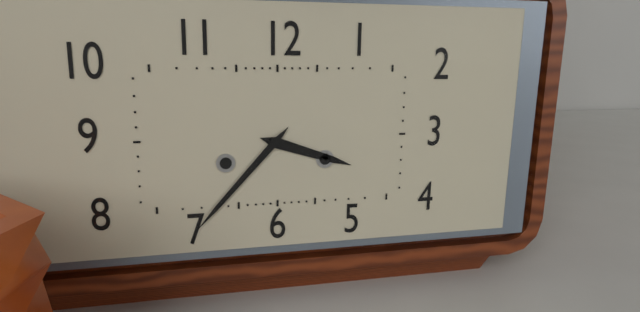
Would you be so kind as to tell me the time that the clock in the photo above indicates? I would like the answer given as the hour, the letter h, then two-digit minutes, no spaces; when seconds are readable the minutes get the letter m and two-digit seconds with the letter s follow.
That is 3h37
